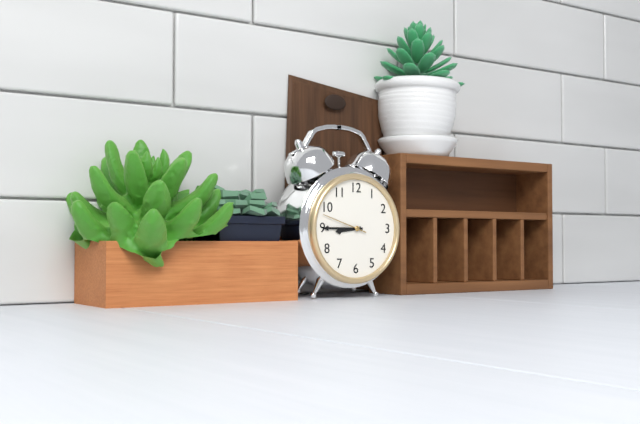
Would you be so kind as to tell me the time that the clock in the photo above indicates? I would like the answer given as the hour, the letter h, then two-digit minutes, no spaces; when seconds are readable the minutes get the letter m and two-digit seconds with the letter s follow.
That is 8h45
